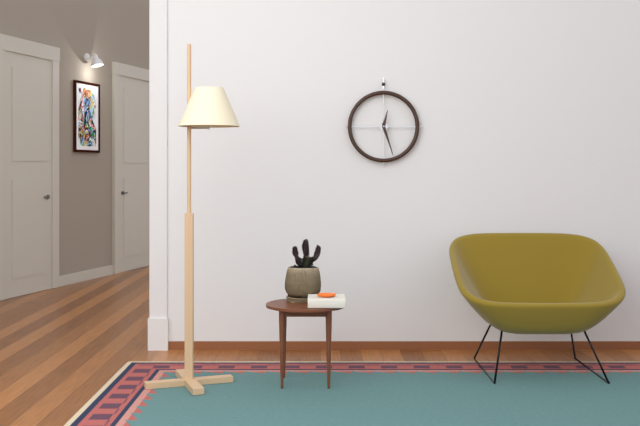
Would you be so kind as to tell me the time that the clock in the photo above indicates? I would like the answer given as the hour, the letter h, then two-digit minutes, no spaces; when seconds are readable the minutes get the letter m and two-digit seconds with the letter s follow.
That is 12h27
